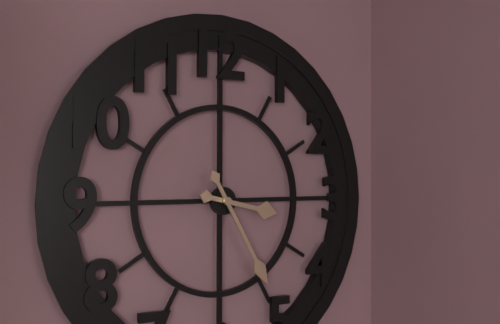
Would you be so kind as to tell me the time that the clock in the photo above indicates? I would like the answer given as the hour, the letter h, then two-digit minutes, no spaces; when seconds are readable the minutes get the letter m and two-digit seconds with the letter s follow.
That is 3h25
